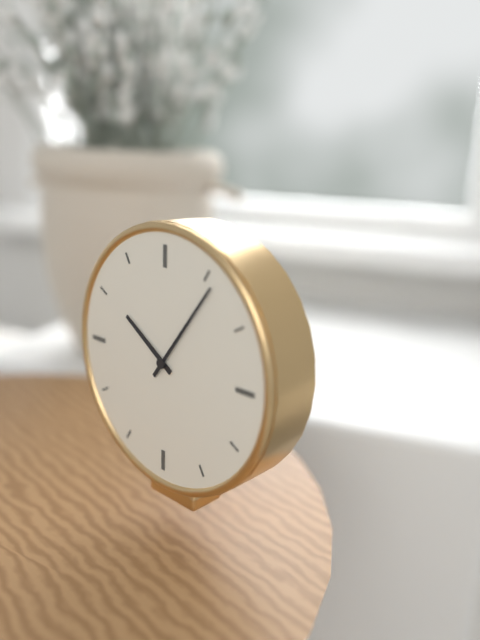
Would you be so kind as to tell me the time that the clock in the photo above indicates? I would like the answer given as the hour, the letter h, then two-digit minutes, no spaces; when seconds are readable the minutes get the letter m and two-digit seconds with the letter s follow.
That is 10h06
